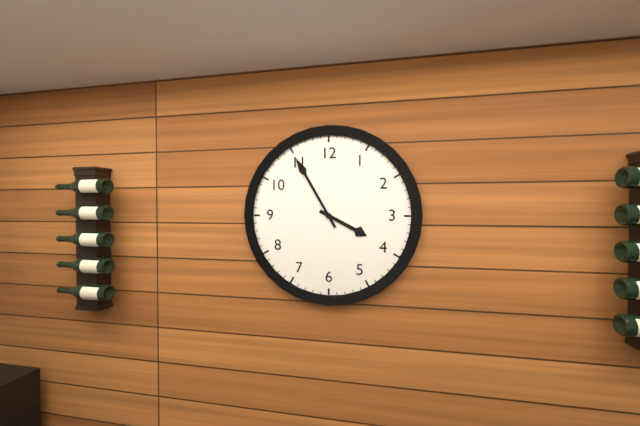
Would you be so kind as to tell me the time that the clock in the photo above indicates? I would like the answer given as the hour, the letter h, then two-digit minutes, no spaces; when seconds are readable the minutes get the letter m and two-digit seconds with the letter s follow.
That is 3h55
